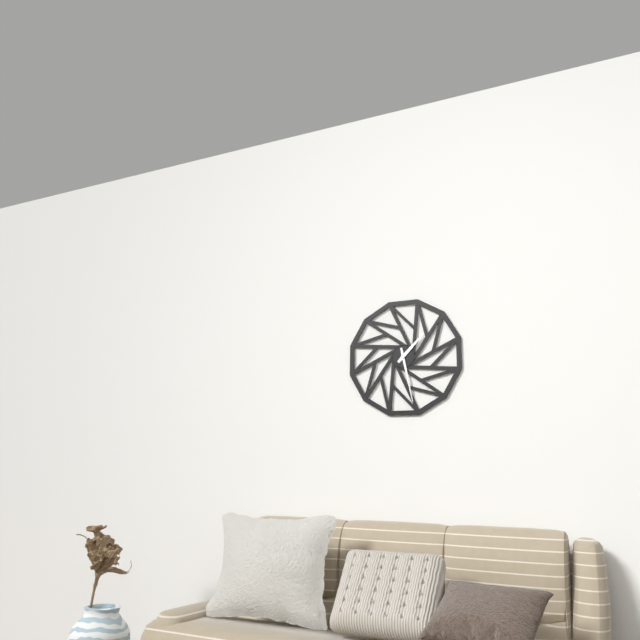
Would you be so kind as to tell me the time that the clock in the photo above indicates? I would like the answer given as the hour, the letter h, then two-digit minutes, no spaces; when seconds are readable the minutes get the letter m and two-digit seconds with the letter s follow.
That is 1h28
